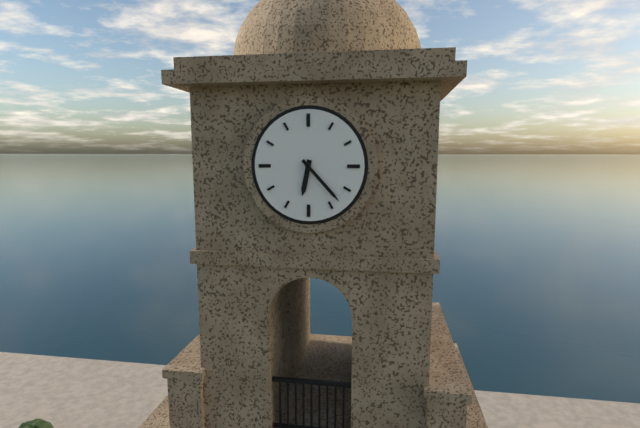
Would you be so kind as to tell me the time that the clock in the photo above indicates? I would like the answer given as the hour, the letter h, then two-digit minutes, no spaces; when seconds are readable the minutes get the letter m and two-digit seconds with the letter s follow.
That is 6h23
